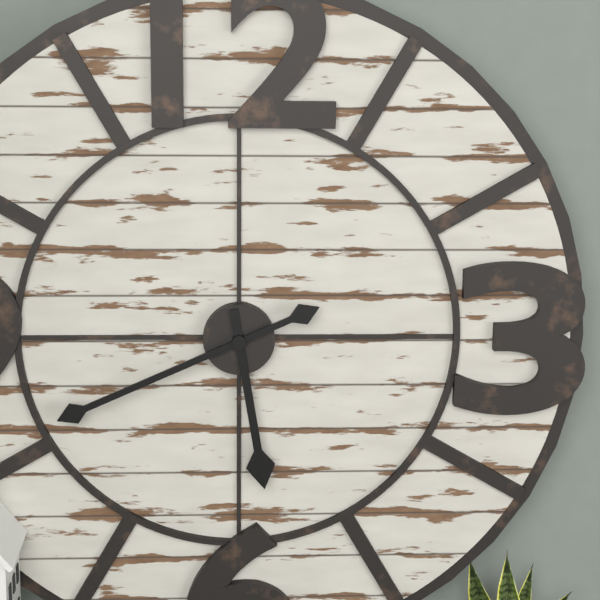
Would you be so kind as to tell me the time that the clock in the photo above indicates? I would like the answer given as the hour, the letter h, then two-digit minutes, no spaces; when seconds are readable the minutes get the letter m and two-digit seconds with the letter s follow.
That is 5h41
